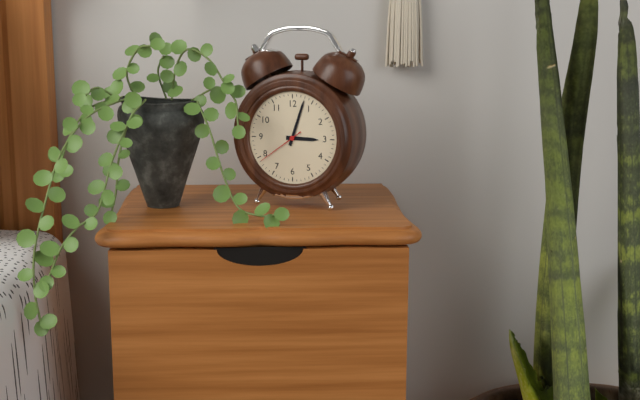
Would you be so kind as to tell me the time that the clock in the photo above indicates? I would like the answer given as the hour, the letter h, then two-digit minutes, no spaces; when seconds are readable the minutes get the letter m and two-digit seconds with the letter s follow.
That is 3h03
